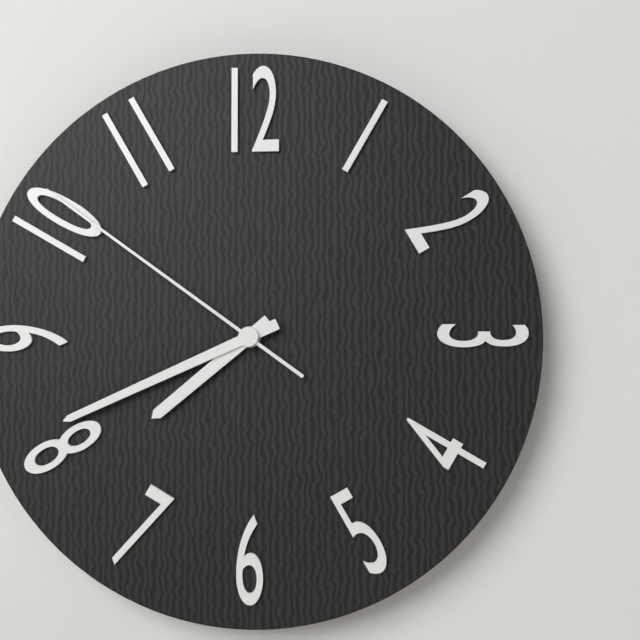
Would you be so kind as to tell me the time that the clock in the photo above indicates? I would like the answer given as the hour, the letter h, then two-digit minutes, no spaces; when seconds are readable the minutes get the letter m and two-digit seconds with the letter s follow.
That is 7h41m51s
